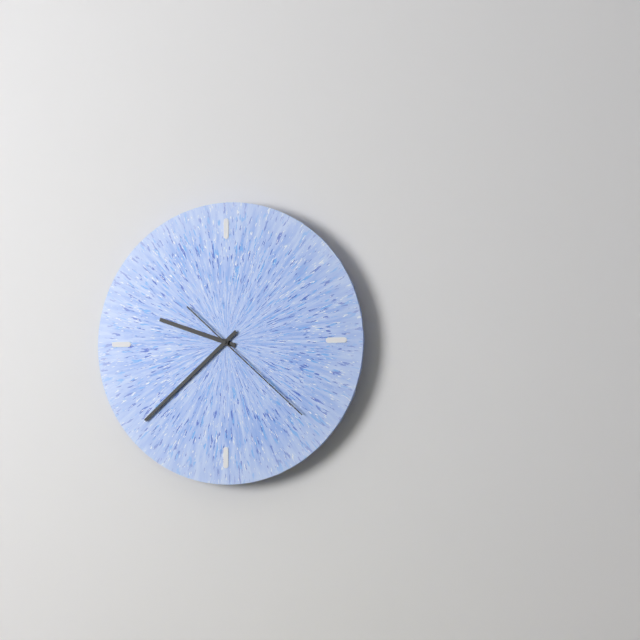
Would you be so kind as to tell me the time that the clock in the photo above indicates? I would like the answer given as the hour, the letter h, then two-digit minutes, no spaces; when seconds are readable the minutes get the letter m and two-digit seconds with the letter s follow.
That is 9h38m22s
